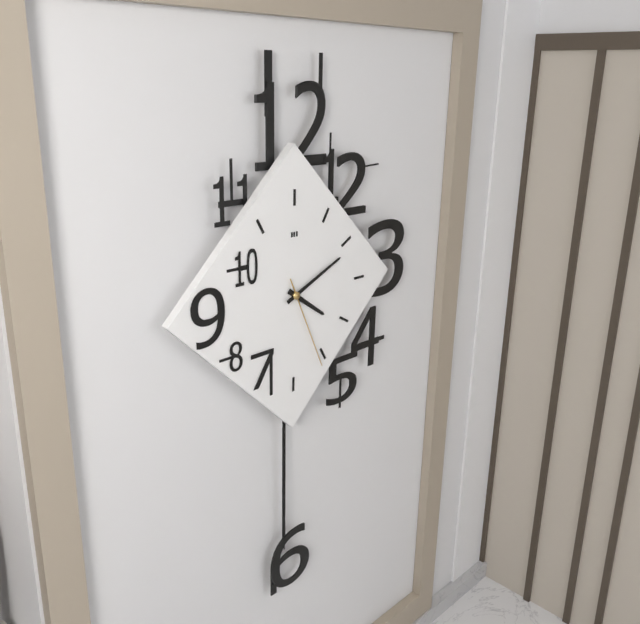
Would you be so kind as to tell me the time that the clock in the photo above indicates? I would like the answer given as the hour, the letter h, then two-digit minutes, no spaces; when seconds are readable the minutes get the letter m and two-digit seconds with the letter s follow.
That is 4h11m26s
